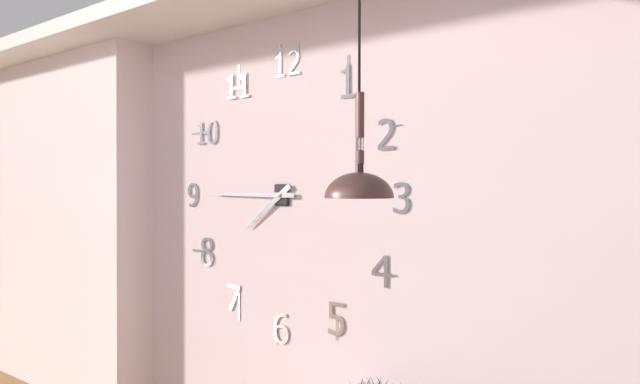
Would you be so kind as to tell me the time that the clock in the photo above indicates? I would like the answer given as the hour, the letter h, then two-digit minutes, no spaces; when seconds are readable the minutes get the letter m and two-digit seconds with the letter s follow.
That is 7h45
